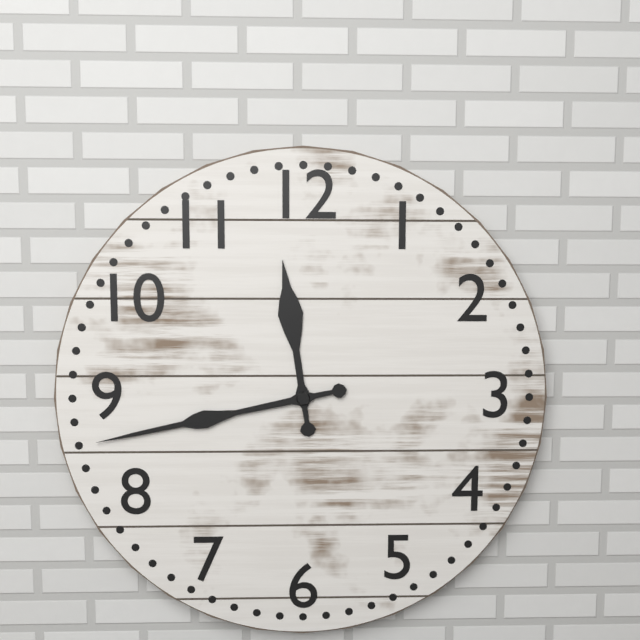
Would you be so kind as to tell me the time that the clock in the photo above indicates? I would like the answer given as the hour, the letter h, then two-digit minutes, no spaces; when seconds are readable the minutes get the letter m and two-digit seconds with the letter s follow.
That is 11h43
